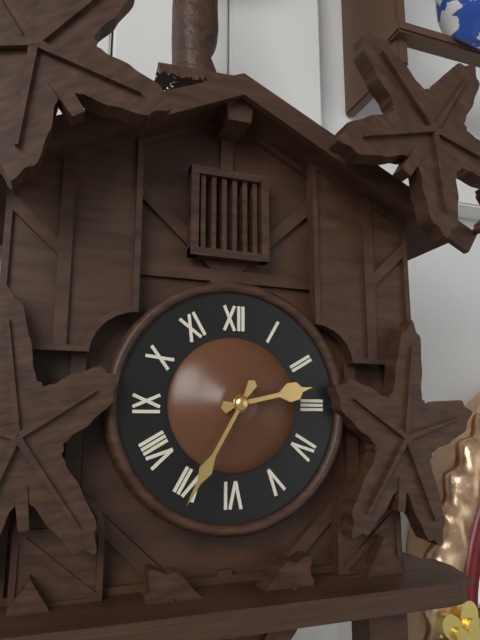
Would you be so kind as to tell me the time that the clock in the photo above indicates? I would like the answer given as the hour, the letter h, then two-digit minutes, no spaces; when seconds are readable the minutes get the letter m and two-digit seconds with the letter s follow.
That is 2h35
